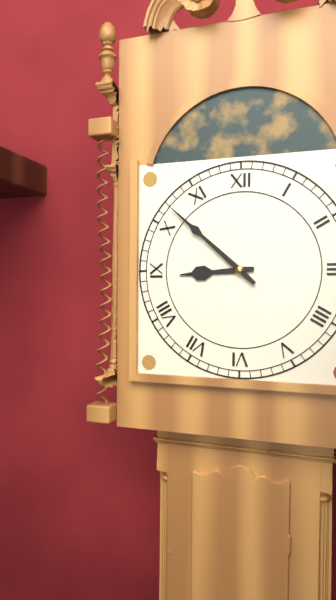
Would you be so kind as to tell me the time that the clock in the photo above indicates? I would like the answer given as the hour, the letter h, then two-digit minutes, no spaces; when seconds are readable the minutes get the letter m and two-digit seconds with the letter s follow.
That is 8h52
